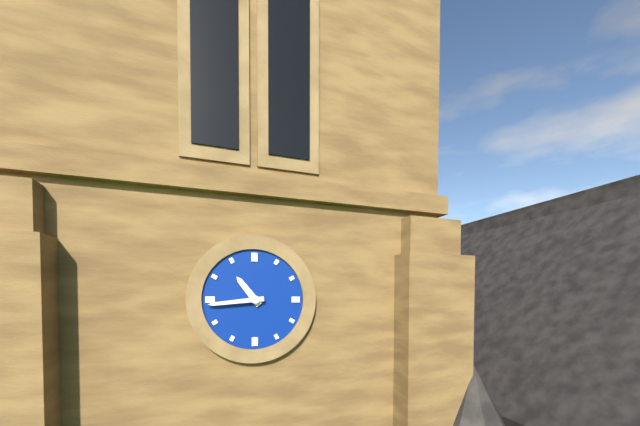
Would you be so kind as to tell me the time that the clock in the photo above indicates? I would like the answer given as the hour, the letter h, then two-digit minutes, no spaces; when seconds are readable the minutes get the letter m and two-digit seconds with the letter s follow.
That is 10h44
